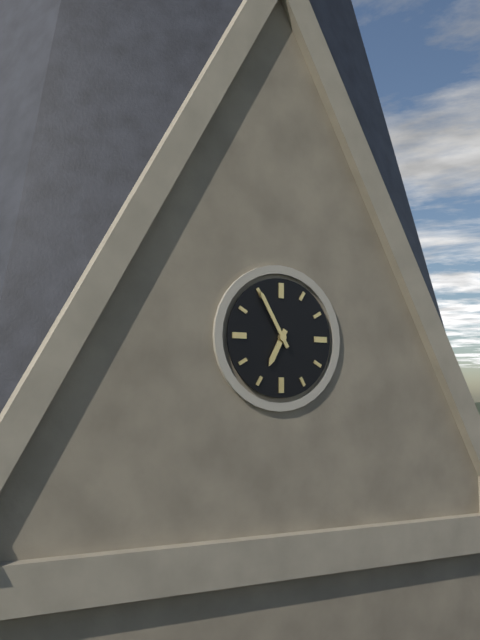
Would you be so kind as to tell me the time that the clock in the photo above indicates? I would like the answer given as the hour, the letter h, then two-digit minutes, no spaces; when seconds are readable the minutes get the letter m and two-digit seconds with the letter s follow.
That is 6h55
